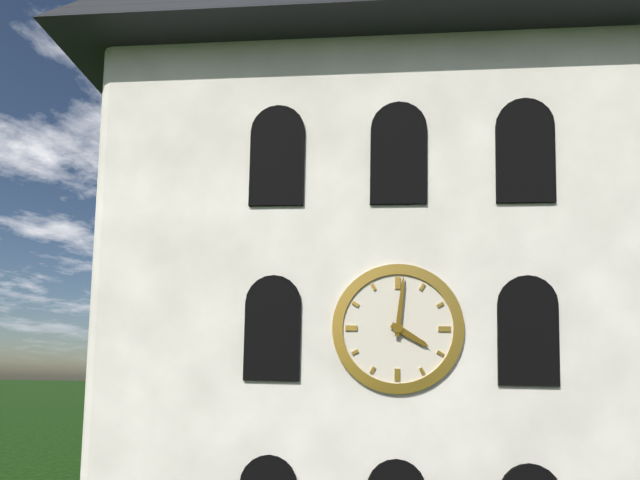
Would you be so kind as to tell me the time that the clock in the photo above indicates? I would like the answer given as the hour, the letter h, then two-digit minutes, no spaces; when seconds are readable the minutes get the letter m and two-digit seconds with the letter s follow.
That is 4h01
